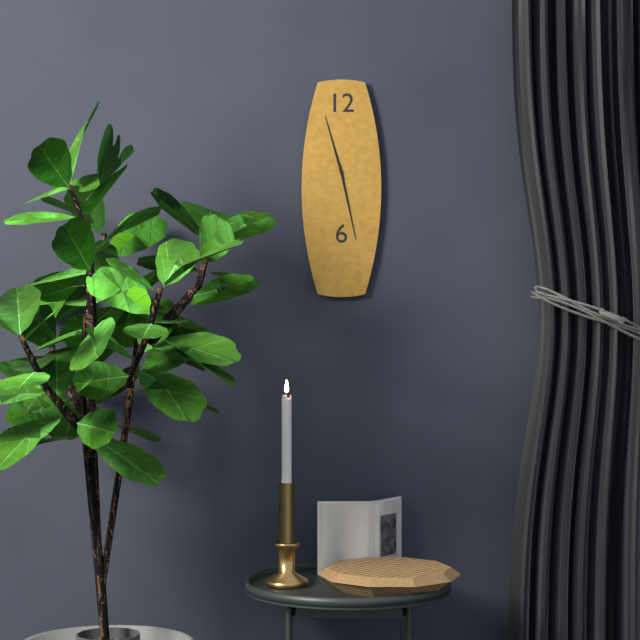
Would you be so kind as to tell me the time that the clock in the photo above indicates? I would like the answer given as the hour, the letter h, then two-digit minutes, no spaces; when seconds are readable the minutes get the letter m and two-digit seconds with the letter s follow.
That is 11h28
